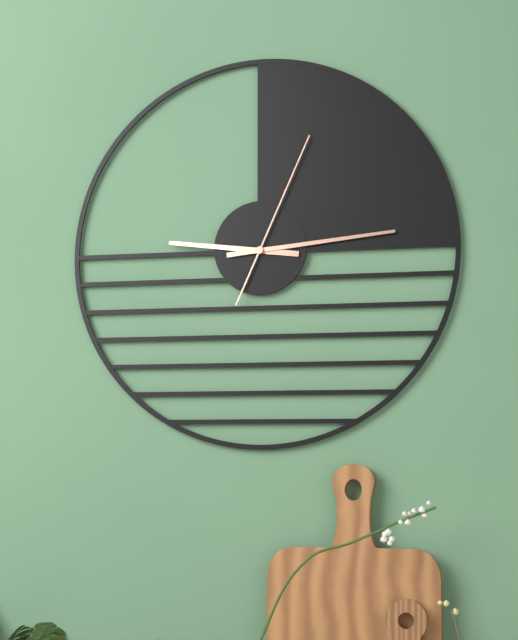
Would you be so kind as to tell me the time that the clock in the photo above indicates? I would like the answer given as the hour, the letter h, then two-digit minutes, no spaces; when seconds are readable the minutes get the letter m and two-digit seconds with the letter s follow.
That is 9h14m04s
